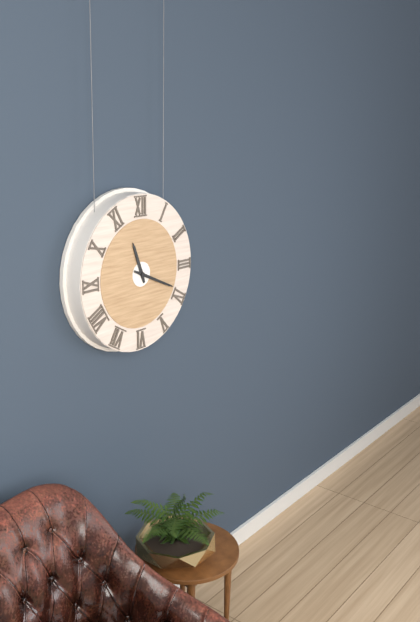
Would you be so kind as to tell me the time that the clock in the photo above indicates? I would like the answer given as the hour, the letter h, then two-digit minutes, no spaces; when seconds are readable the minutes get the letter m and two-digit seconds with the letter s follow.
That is 11h19
